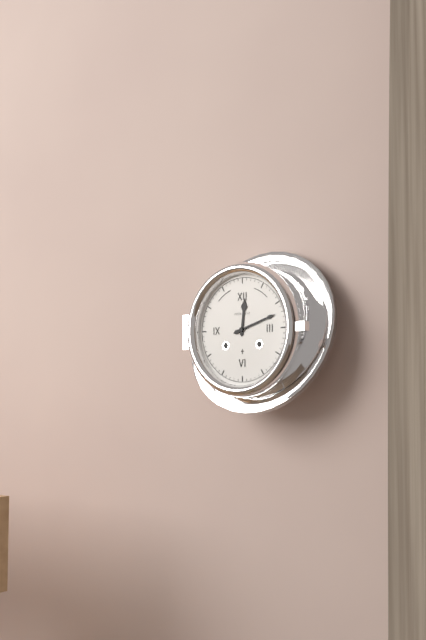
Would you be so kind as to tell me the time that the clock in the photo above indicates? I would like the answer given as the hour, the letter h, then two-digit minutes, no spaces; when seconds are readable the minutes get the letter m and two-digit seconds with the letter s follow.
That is 12h12
